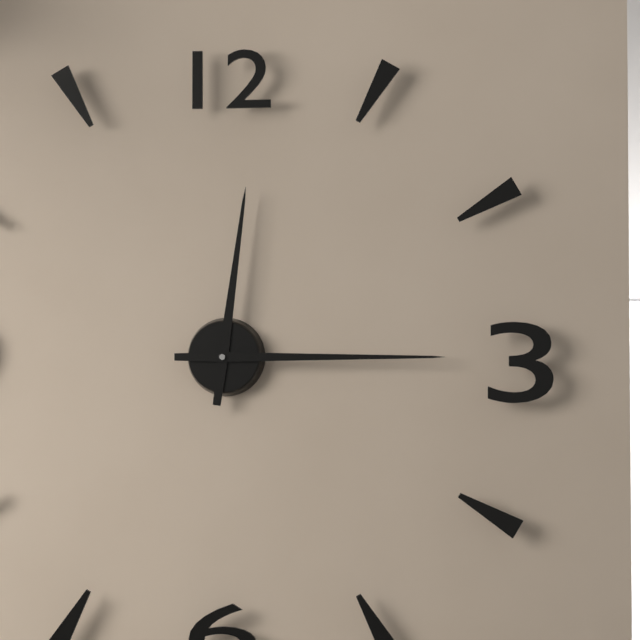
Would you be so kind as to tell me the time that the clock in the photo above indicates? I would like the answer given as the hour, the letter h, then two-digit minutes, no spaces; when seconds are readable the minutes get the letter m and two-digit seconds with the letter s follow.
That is 12h15
